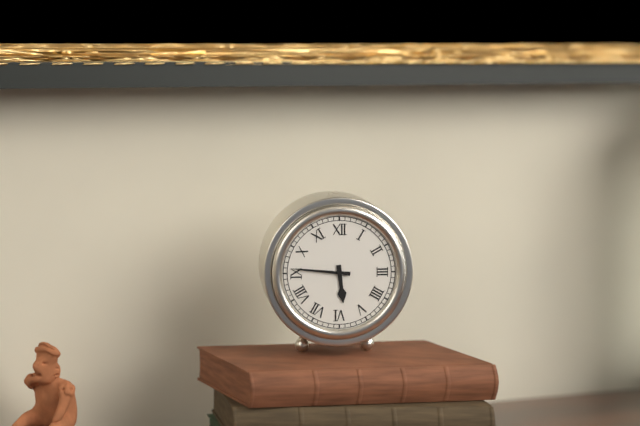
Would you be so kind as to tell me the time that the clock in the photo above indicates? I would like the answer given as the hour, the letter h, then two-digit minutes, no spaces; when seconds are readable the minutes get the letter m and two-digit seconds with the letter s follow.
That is 5h46
